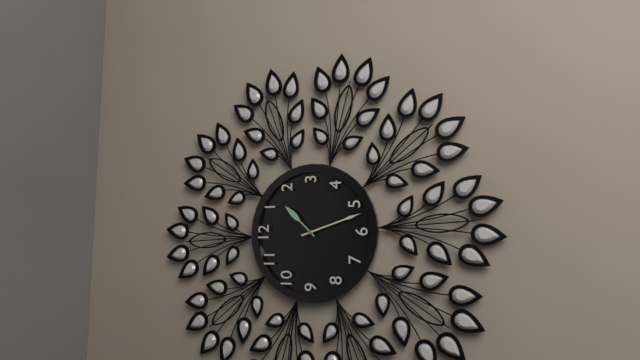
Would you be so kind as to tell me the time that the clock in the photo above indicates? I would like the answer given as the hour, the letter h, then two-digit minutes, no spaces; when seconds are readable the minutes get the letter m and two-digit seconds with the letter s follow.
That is 1h27
